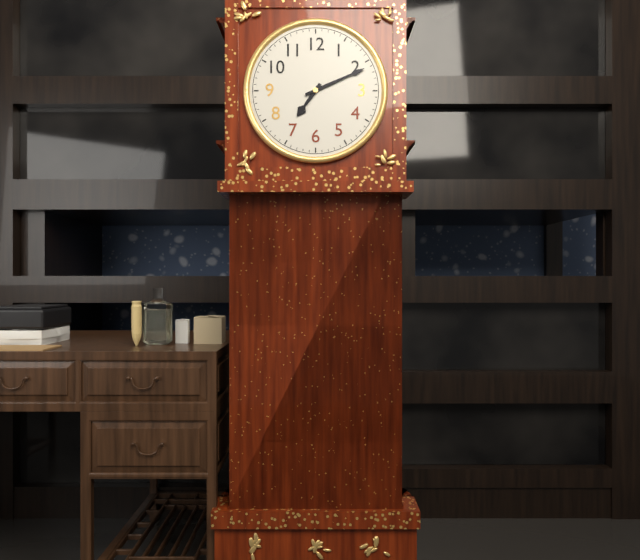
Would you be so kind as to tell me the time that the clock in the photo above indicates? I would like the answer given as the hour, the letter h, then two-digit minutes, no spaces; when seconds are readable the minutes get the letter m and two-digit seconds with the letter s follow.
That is 7h11
